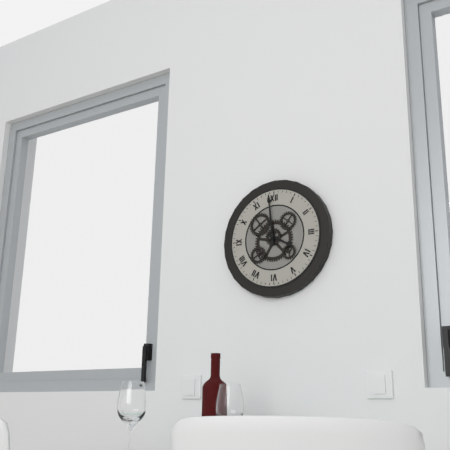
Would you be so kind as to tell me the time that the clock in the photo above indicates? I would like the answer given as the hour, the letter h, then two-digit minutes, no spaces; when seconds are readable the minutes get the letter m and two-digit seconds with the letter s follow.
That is 3h59
